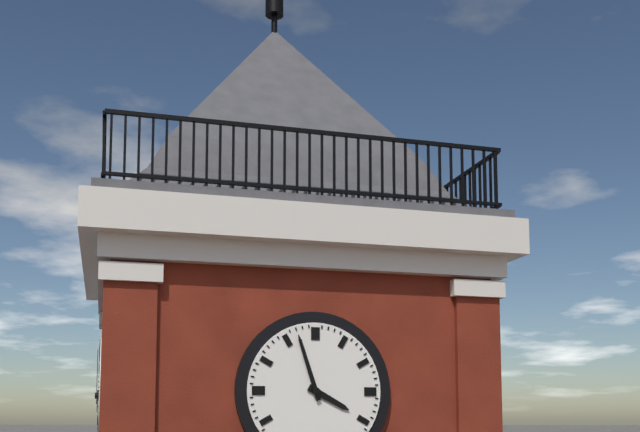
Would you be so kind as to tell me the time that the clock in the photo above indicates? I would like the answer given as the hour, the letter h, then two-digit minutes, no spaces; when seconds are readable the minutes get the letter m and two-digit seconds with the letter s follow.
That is 3h57
